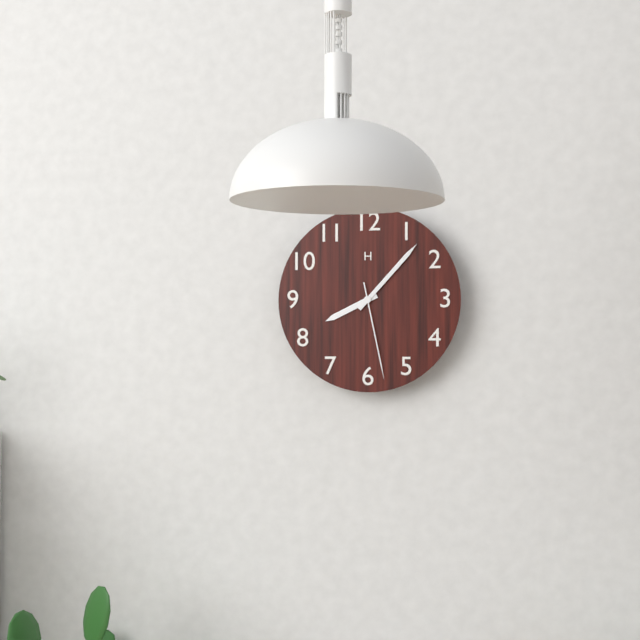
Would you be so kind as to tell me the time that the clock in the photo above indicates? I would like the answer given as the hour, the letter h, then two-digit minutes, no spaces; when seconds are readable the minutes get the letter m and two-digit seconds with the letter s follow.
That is 8h07m28s
